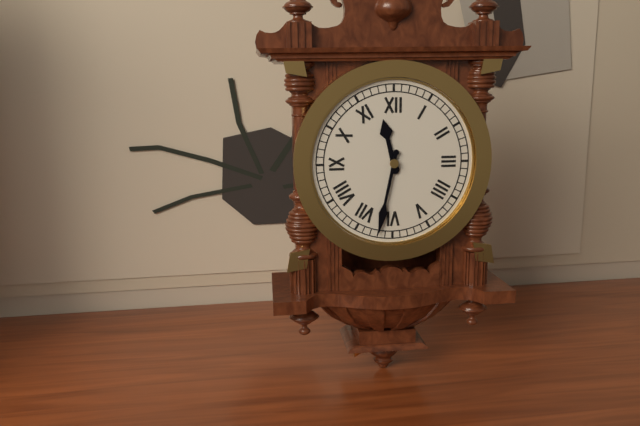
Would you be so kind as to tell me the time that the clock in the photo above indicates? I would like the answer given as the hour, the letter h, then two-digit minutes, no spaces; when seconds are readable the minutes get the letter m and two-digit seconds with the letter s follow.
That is 11h32
